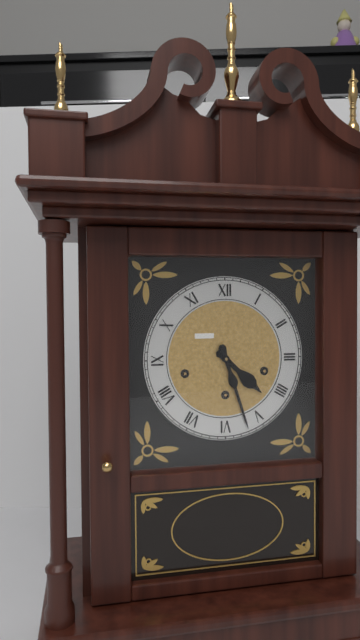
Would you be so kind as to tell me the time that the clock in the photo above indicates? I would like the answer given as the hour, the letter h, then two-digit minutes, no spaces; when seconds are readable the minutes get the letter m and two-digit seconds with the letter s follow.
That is 4h27
